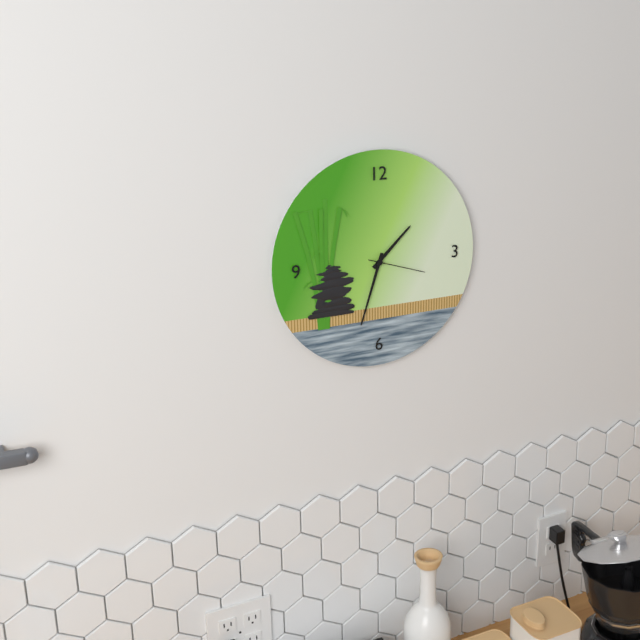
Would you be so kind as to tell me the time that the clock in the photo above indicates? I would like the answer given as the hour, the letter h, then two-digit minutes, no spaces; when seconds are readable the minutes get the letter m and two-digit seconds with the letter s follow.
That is 1h33m18s
